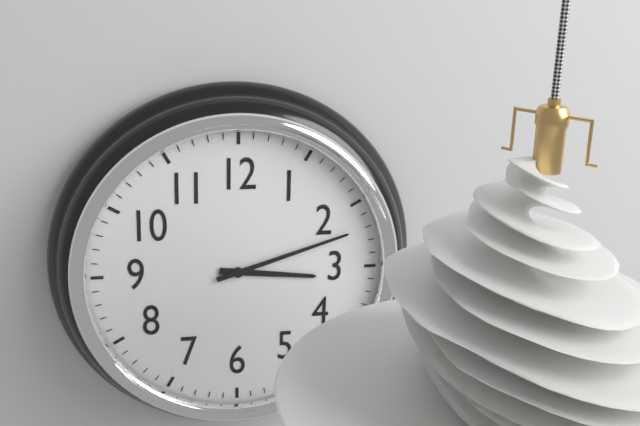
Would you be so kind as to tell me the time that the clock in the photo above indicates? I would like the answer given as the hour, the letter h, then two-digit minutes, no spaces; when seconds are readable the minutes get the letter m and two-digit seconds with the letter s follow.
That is 3h12
